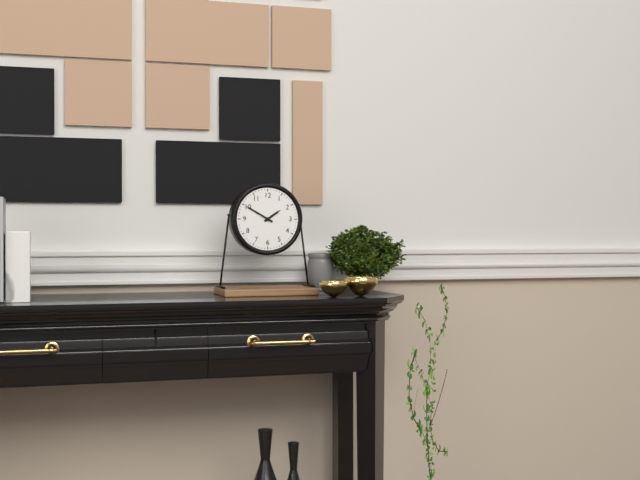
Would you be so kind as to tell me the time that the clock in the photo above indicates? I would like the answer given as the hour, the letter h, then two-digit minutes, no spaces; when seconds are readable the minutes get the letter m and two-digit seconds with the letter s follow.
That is 1h50
